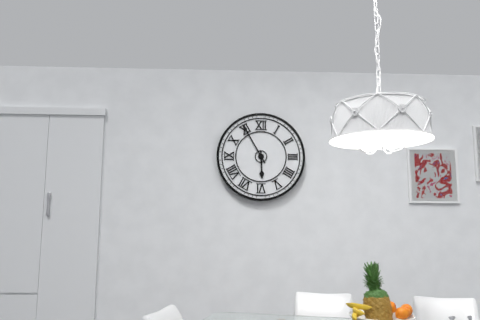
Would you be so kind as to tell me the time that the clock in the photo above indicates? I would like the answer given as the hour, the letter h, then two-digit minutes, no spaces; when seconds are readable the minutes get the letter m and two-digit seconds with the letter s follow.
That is 5h55
